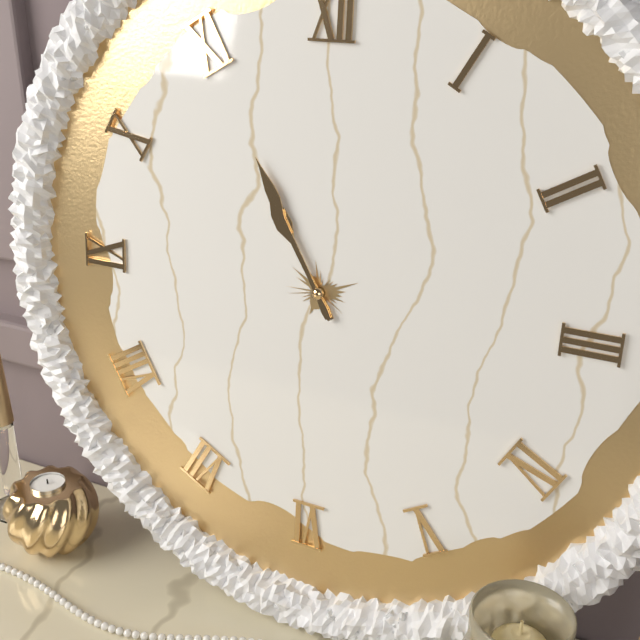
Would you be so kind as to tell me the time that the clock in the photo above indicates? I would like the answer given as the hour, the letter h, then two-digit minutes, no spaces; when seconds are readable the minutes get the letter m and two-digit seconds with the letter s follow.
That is 10h55
